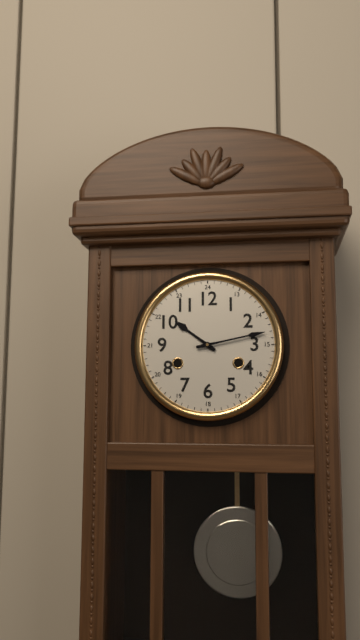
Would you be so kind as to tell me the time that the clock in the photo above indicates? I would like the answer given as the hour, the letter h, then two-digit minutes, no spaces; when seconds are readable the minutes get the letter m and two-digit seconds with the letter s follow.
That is 10h13
